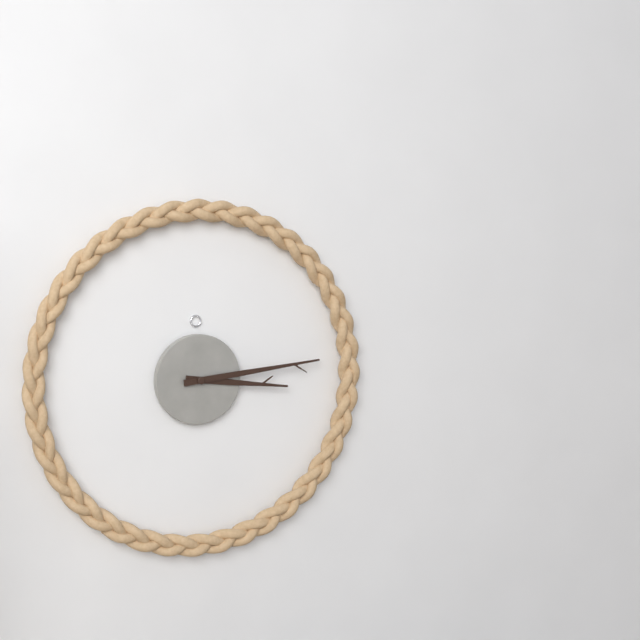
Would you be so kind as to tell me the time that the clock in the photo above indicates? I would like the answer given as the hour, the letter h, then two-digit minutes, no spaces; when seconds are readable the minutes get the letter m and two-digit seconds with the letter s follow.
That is 3h14
